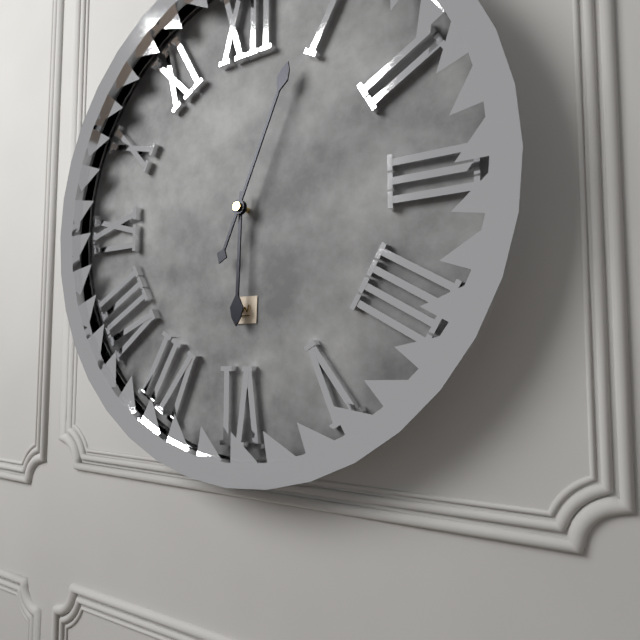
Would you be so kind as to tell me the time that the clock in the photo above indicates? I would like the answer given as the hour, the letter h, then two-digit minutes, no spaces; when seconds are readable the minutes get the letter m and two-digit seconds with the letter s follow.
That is 6h04
